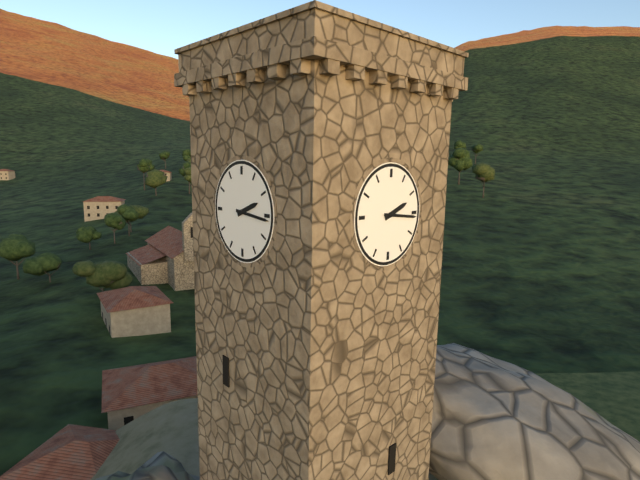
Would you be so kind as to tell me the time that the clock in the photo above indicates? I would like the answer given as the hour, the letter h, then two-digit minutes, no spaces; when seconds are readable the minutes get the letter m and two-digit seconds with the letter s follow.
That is 2h16
